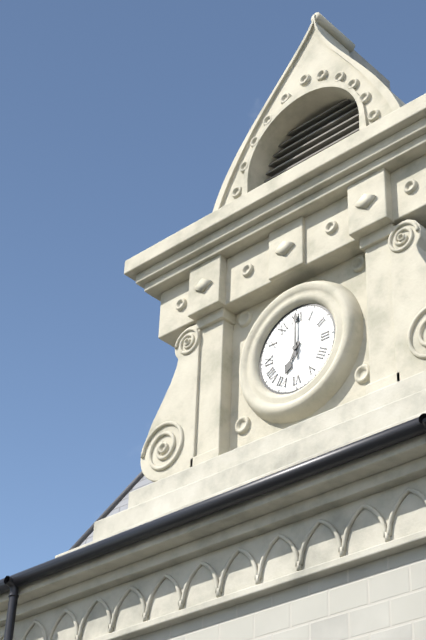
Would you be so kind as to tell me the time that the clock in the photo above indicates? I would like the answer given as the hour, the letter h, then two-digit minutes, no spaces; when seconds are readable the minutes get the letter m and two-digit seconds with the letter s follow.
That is 7h00
